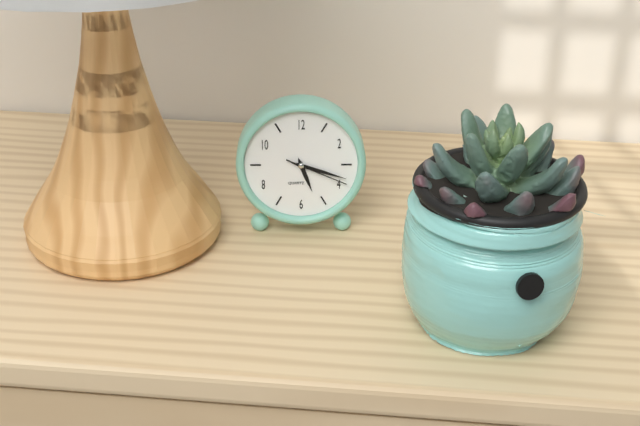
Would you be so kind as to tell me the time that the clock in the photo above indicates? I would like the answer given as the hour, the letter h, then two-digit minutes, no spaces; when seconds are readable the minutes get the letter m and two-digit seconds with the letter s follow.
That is 5h18m19s
